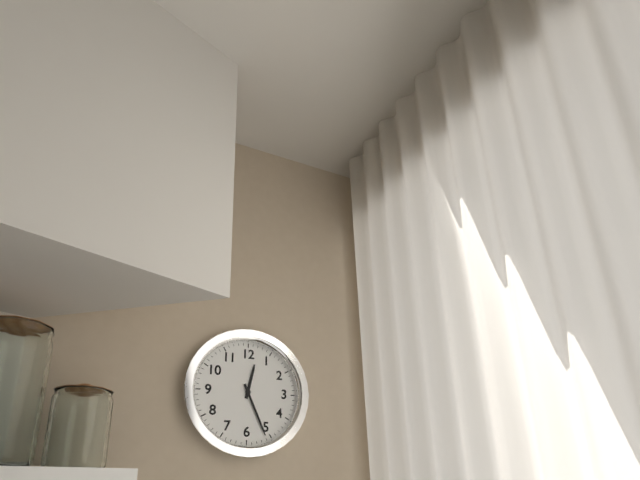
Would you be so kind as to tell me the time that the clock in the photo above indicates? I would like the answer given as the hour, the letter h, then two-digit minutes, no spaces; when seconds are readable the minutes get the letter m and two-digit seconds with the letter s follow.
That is 12h26
